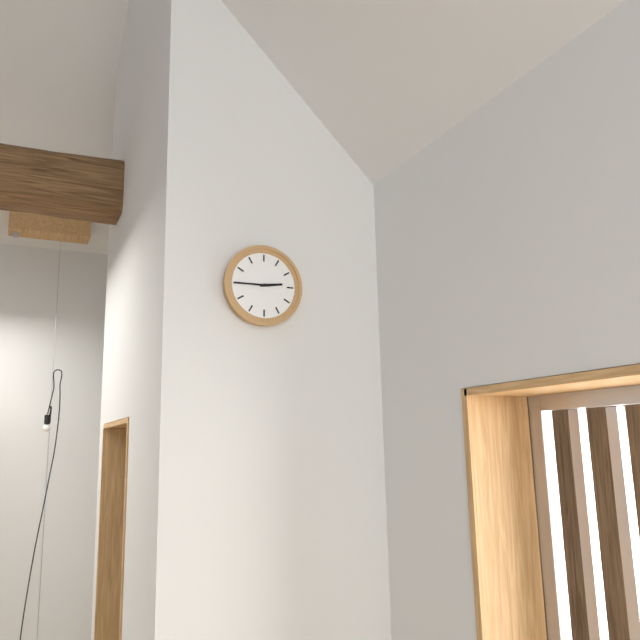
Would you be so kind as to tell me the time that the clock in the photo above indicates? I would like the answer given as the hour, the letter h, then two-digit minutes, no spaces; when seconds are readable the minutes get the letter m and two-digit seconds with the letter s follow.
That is 2h45
